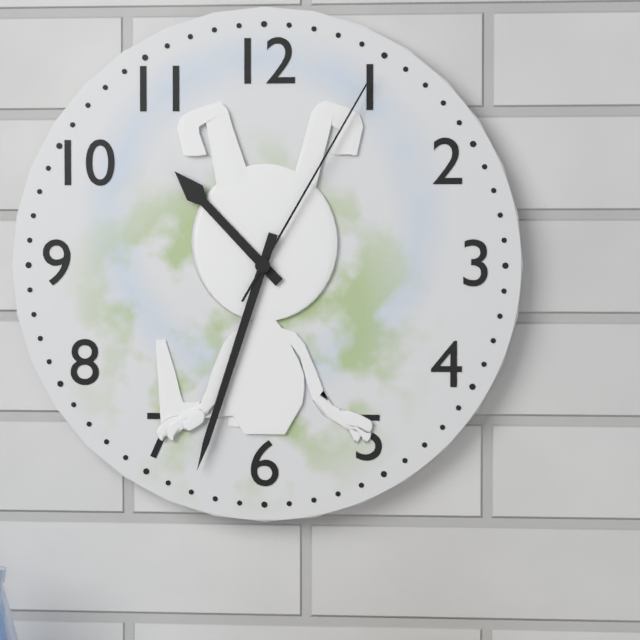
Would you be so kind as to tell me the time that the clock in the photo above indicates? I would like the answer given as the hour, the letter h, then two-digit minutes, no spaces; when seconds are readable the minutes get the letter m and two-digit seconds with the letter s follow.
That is 10h33m05s
